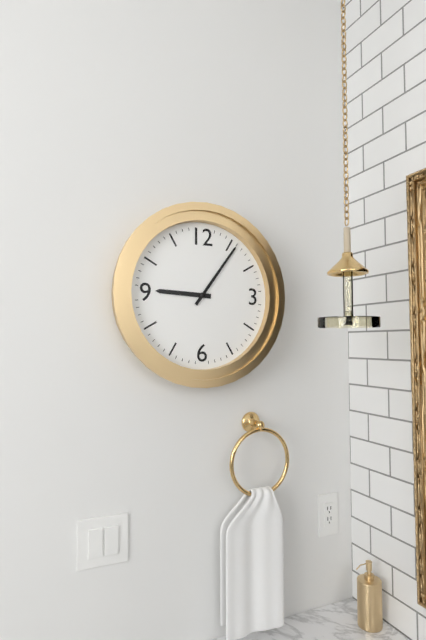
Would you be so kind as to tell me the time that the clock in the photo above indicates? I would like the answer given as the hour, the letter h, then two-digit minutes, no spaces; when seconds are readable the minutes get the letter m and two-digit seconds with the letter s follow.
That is 9h06
